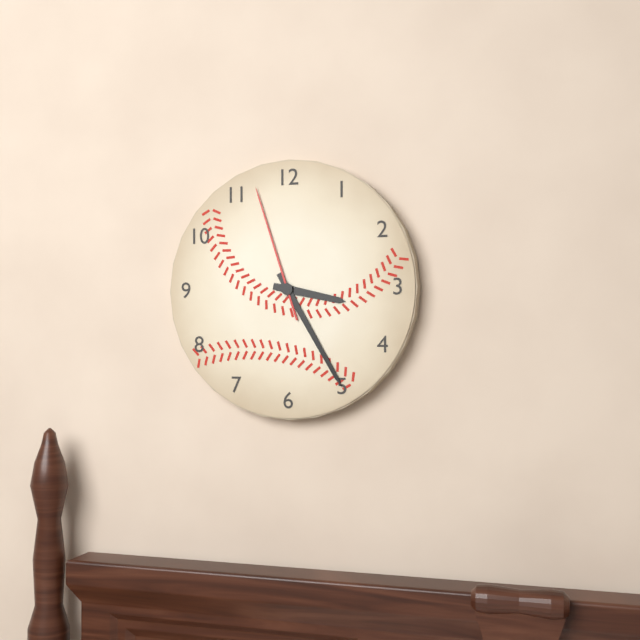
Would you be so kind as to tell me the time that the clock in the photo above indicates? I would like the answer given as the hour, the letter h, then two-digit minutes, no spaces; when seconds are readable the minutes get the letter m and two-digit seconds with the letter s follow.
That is 3h25m57s
